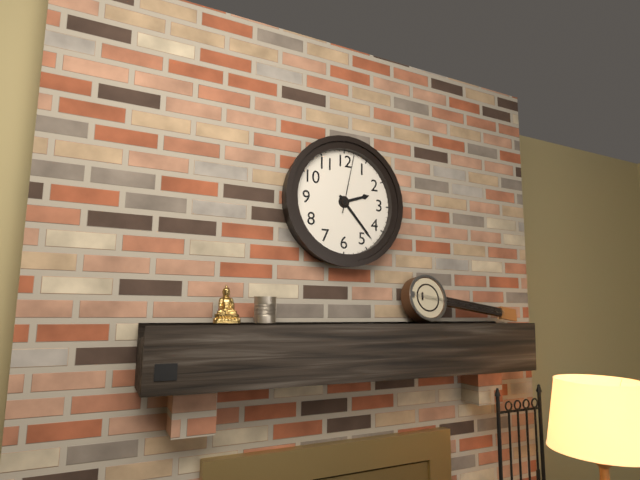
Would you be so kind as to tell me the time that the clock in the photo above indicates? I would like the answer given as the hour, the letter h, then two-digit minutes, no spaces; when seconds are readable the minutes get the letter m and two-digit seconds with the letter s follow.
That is 2h23m02s
